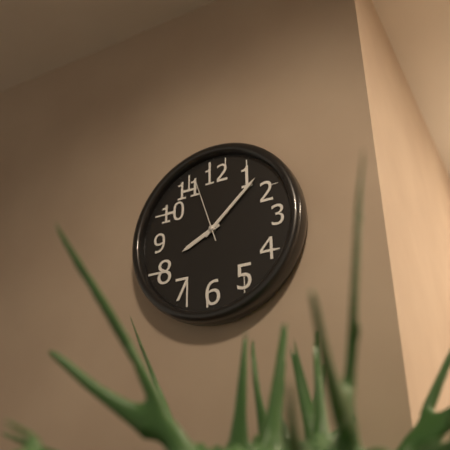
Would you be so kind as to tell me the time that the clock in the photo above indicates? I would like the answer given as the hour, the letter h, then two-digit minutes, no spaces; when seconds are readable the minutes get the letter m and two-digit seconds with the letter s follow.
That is 8h08m57s
